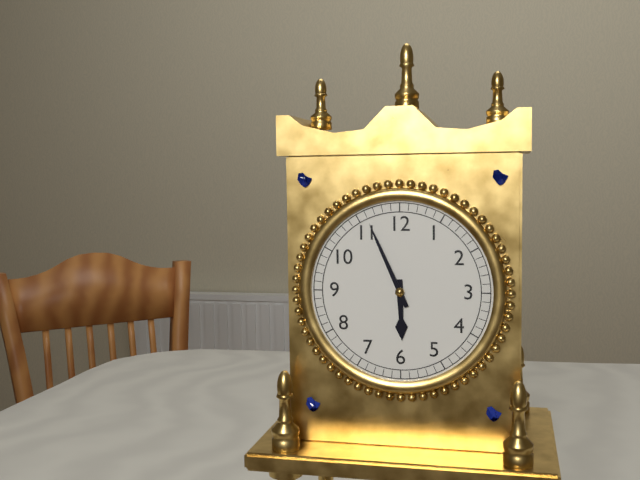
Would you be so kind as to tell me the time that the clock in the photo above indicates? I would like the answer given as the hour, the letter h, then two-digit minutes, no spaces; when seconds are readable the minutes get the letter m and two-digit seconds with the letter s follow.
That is 5h56
